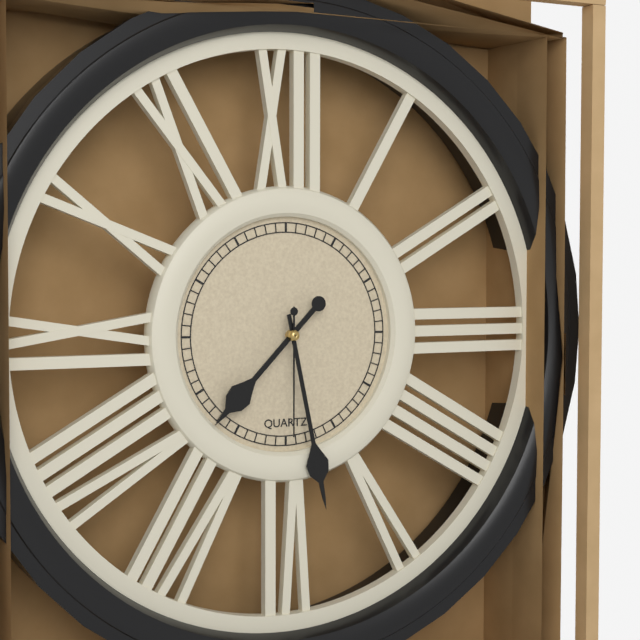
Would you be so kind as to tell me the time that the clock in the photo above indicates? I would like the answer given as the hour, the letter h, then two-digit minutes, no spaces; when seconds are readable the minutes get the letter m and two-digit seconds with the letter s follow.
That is 7h28m30s
